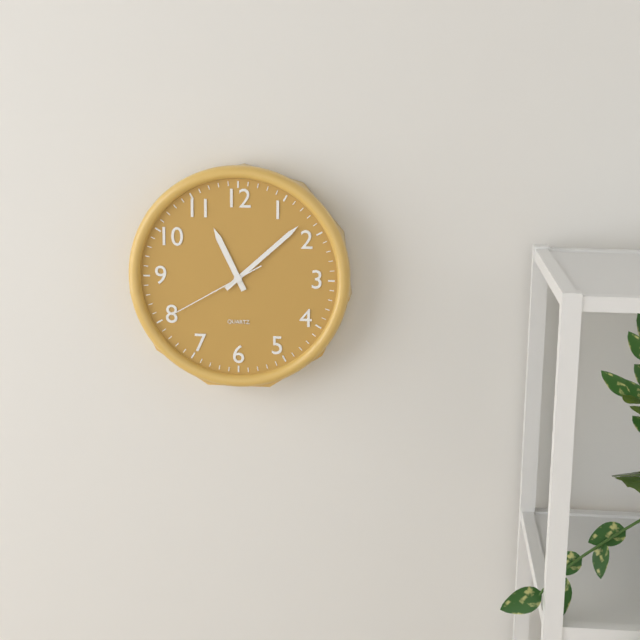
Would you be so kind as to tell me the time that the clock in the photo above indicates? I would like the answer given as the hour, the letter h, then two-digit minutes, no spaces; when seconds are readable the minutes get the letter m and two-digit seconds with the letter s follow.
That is 11h08m40s
